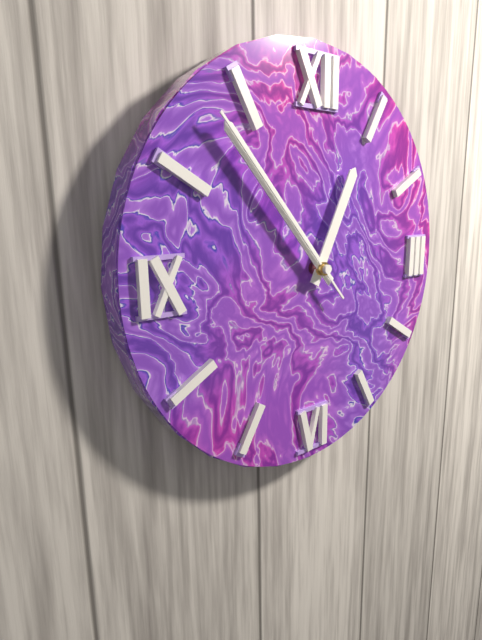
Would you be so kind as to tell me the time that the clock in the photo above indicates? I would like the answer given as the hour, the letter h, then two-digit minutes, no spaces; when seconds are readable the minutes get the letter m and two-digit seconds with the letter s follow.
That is 12h53m53s
